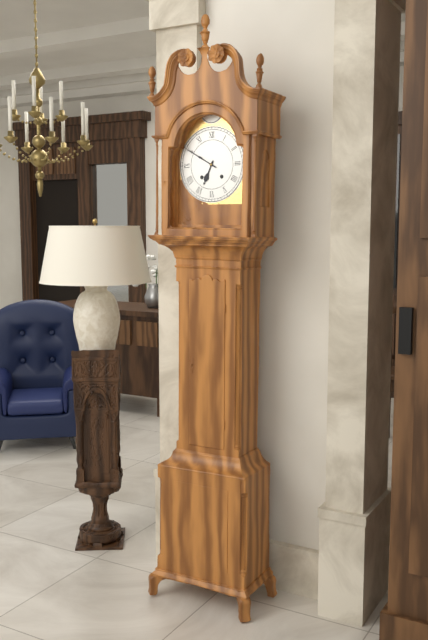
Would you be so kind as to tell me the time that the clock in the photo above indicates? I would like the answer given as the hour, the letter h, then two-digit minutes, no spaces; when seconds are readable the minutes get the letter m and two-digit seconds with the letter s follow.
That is 6h50
